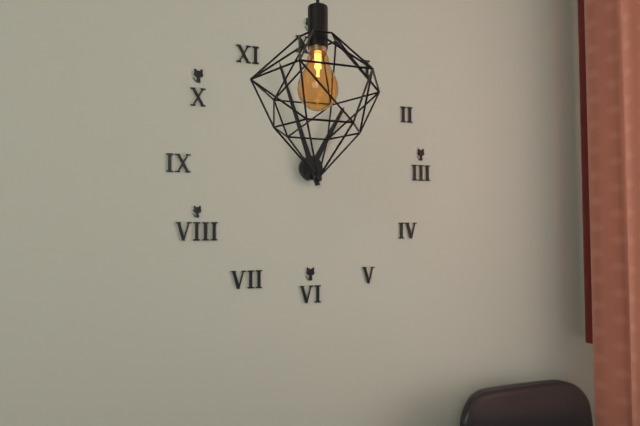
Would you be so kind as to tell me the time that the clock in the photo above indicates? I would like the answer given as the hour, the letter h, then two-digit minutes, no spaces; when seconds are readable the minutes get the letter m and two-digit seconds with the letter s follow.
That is 12h57
